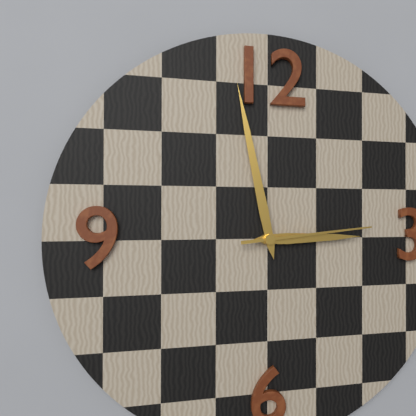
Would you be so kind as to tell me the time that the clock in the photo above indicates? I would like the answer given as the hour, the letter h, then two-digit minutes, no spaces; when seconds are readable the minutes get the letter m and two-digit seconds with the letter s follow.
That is 2h58m14s
